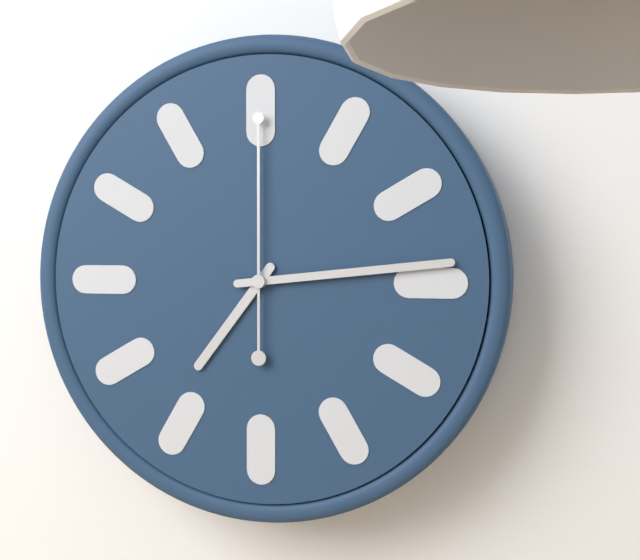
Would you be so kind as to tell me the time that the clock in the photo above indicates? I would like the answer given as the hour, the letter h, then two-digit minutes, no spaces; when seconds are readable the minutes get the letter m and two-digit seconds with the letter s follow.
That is 7h14m00s
